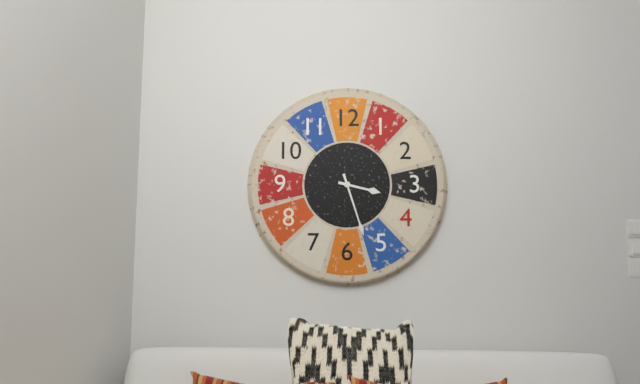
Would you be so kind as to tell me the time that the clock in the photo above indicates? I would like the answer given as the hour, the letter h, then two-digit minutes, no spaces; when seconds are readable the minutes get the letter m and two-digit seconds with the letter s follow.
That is 3h27
